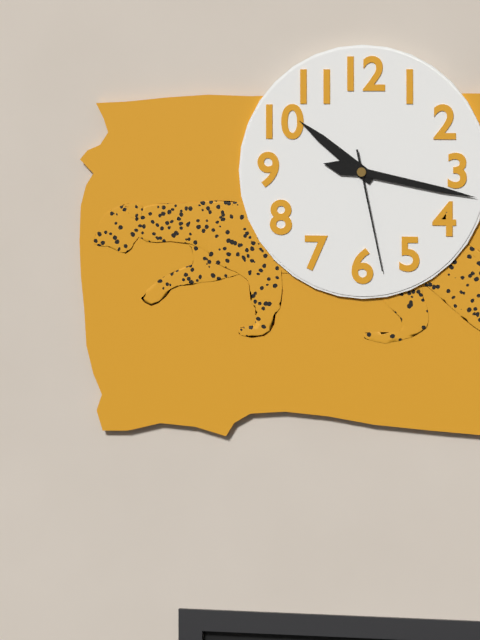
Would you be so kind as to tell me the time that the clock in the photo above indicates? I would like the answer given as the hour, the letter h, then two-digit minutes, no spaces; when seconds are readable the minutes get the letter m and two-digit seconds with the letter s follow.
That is 10h17m28s
